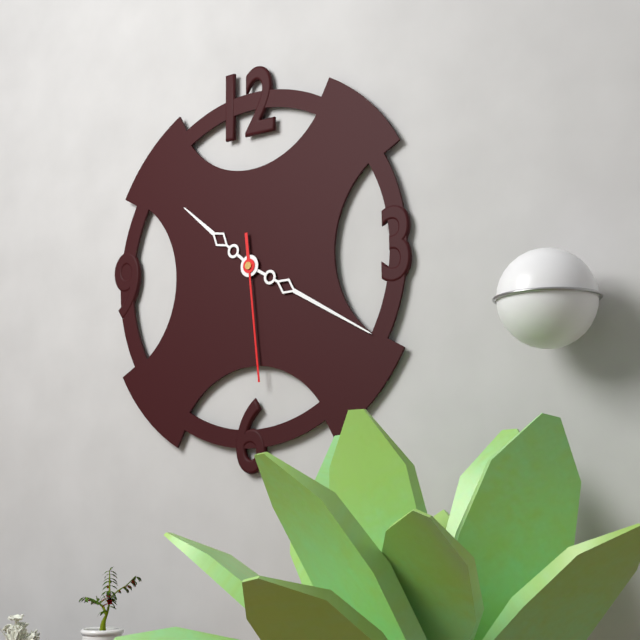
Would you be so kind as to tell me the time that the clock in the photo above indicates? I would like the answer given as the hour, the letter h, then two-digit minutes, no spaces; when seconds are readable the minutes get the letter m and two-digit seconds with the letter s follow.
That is 10h20m29s
